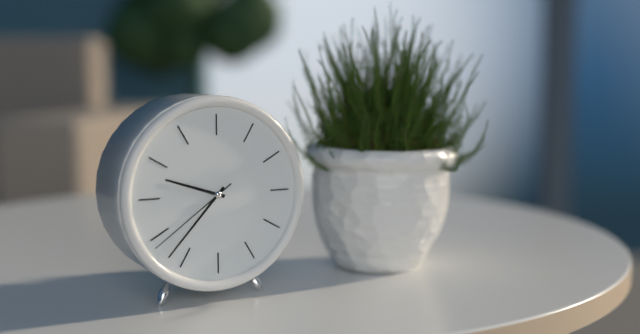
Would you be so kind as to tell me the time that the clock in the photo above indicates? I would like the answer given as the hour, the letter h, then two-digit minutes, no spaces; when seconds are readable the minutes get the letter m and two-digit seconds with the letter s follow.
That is 9h37m39s
